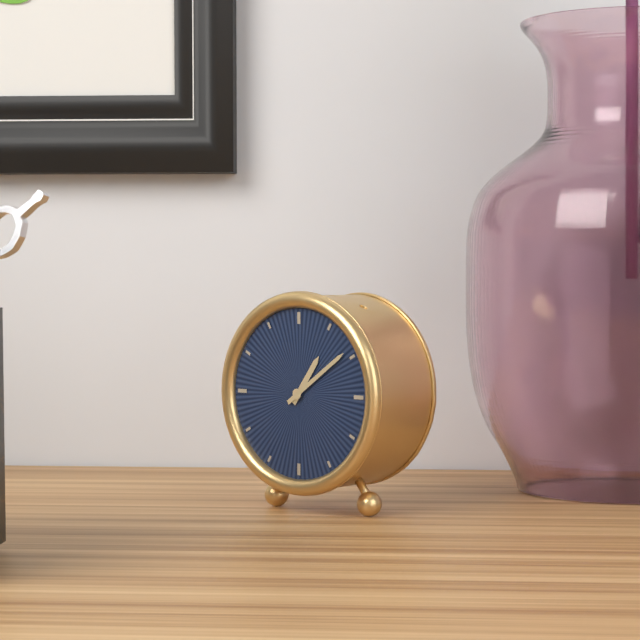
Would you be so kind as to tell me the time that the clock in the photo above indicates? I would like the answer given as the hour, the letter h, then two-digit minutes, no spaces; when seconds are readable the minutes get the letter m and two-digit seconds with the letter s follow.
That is 1h09
